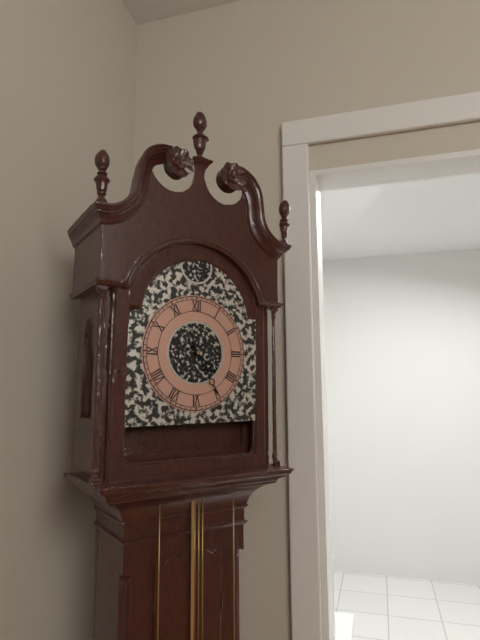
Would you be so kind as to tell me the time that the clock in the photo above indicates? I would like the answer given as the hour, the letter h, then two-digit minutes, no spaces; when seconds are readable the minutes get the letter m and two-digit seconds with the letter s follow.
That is 4h25
